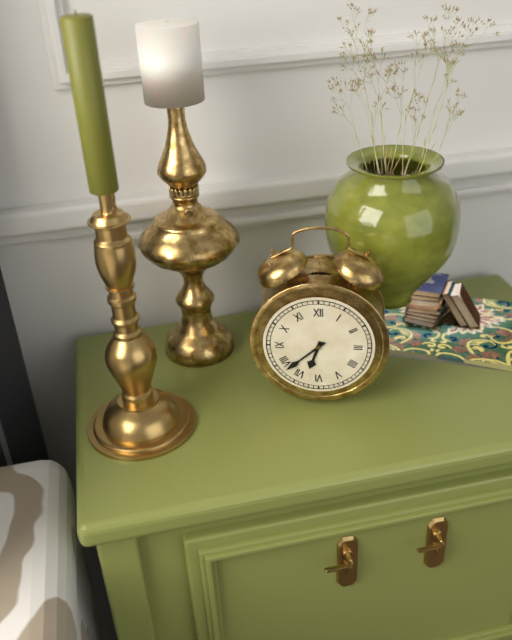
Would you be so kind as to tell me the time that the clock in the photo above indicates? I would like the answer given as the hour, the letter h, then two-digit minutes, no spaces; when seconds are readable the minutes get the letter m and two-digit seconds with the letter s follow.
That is 6h38
